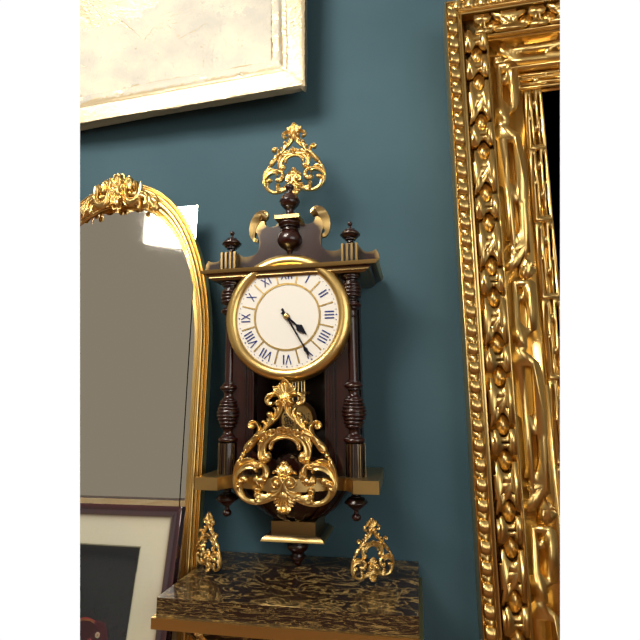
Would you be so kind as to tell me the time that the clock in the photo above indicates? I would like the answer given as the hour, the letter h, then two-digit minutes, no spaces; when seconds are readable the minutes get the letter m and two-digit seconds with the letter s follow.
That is 4h25
